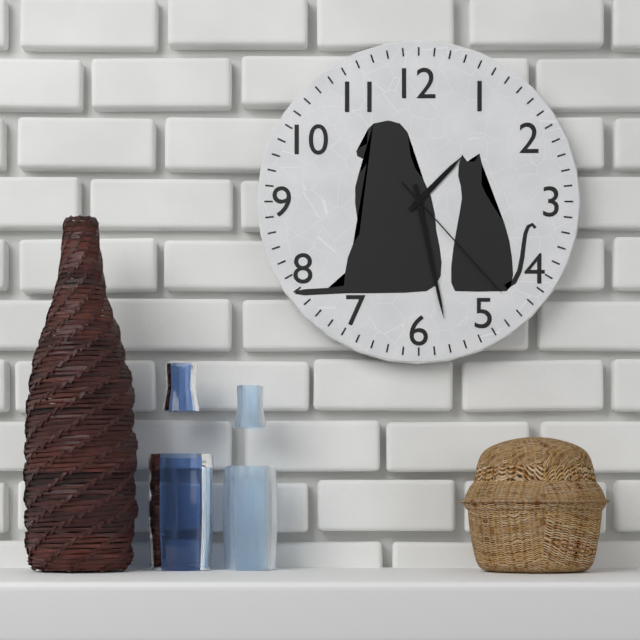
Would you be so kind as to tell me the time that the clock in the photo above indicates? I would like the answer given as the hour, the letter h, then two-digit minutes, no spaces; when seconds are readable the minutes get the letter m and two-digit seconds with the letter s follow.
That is 1h28m23s
